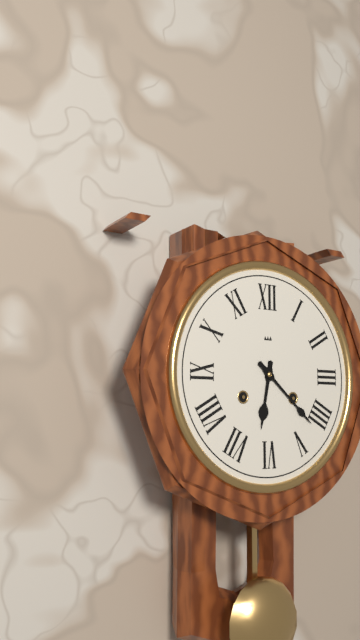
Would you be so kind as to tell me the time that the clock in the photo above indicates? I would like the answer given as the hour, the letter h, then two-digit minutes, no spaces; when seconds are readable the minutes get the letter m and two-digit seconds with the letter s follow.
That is 6h22
